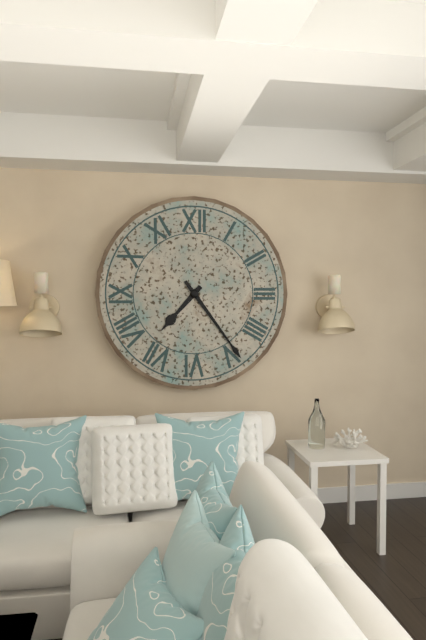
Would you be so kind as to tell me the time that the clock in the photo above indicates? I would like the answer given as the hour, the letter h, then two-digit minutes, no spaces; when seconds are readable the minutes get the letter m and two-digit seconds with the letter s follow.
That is 7h24
